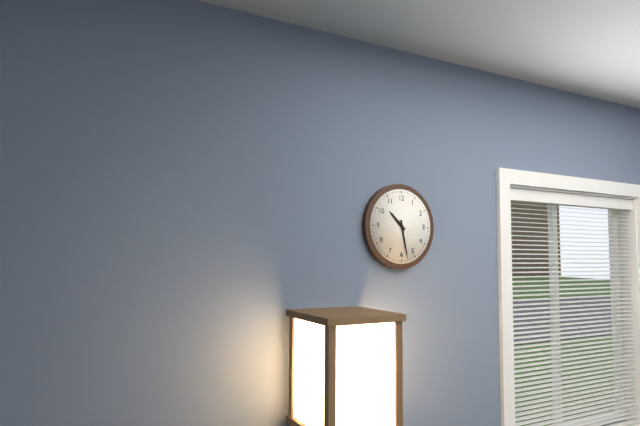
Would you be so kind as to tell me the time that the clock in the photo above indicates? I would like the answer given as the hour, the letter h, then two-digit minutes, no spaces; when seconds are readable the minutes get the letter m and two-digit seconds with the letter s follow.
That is 10h28
